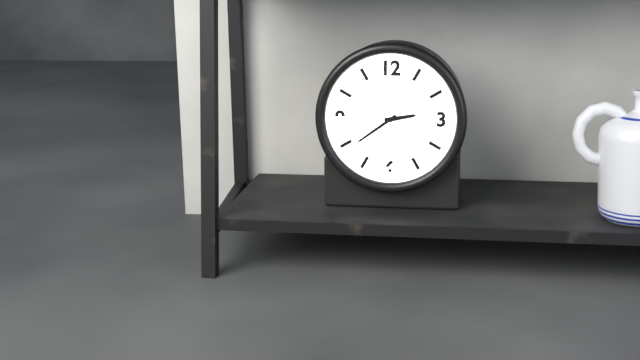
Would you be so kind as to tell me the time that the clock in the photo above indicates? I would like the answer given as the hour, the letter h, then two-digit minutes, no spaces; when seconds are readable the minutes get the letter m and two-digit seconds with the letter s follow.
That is 2h39
